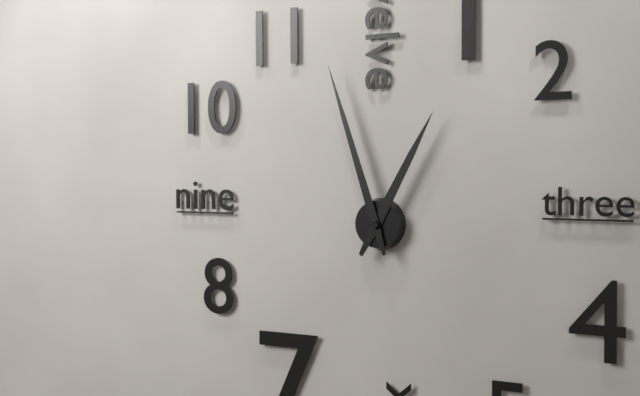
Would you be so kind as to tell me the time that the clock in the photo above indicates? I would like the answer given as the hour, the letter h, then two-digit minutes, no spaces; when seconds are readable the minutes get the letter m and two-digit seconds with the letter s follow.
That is 12h57
